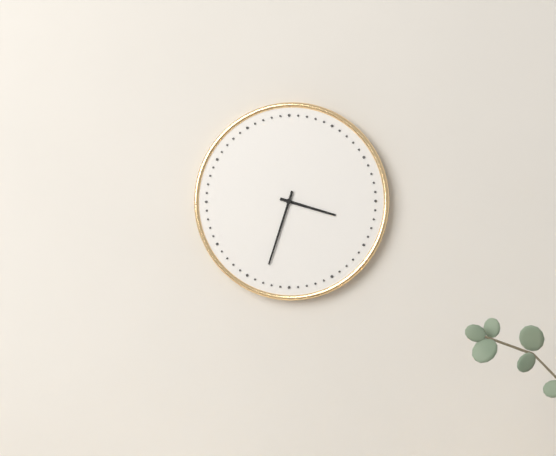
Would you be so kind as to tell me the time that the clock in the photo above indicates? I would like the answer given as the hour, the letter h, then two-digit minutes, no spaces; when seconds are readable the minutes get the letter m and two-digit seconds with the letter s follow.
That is 3h33
